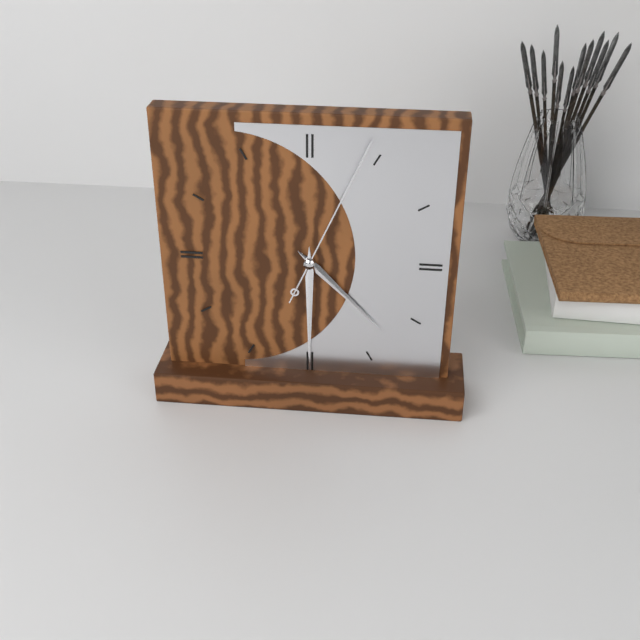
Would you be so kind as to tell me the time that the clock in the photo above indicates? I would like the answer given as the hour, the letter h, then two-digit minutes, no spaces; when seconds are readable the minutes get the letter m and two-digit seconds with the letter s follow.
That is 4h30m04s
